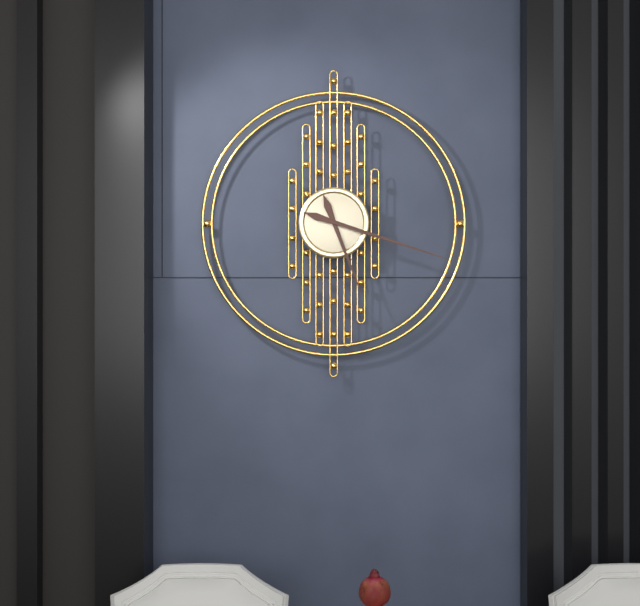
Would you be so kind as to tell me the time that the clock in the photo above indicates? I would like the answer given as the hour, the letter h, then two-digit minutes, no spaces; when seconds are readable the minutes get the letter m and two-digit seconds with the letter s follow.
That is 5h18
